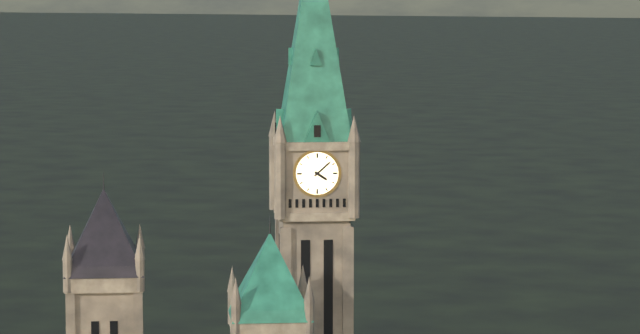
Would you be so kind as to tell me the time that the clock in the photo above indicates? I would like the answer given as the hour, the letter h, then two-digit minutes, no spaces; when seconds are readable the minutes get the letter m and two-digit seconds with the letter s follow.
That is 4h08
